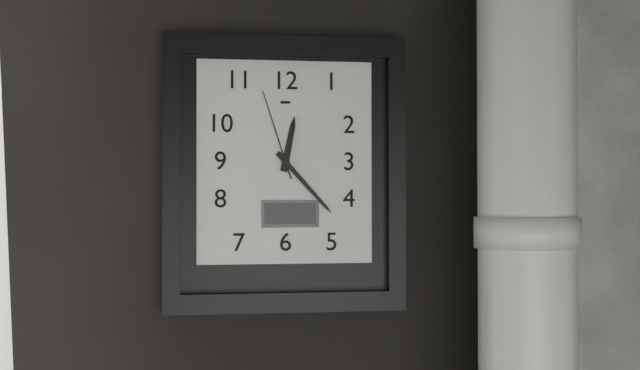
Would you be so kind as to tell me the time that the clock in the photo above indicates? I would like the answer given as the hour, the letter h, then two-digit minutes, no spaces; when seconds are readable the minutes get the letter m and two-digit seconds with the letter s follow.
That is 12h23m57s
